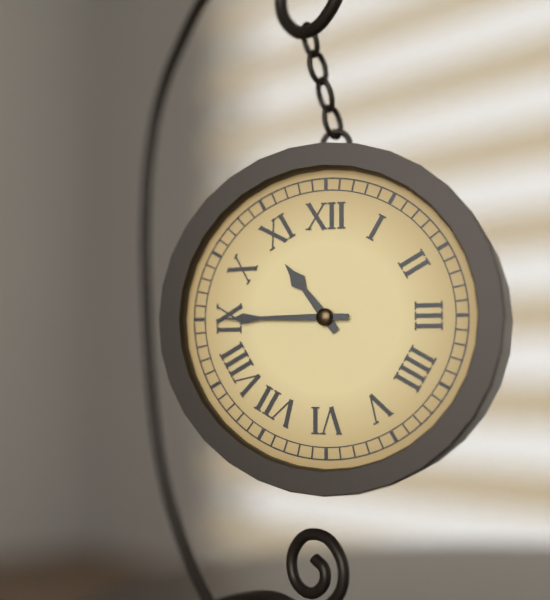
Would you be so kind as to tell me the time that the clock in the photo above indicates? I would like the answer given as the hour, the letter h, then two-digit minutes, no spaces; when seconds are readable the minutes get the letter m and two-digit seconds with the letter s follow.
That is 10h45
